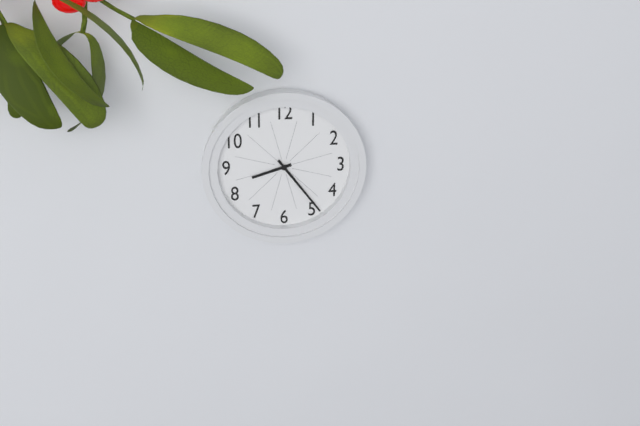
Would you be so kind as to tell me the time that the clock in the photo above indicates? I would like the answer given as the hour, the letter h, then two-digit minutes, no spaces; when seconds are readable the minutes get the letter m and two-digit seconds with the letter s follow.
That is 8h24
